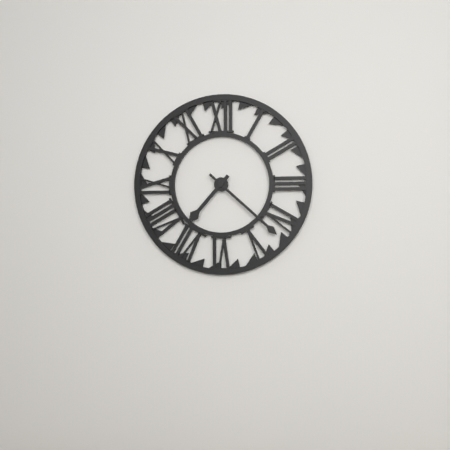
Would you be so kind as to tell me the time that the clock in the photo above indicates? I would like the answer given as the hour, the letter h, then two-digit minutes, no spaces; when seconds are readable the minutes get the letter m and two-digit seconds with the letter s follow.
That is 7h22
